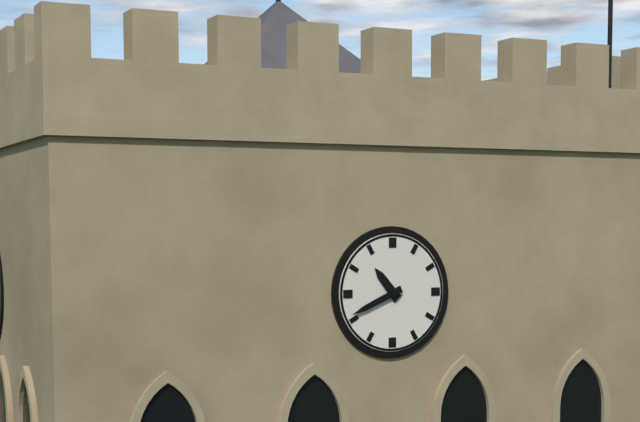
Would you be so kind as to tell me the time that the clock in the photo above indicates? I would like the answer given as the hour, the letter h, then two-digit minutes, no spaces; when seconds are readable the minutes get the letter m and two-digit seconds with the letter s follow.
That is 10h41
